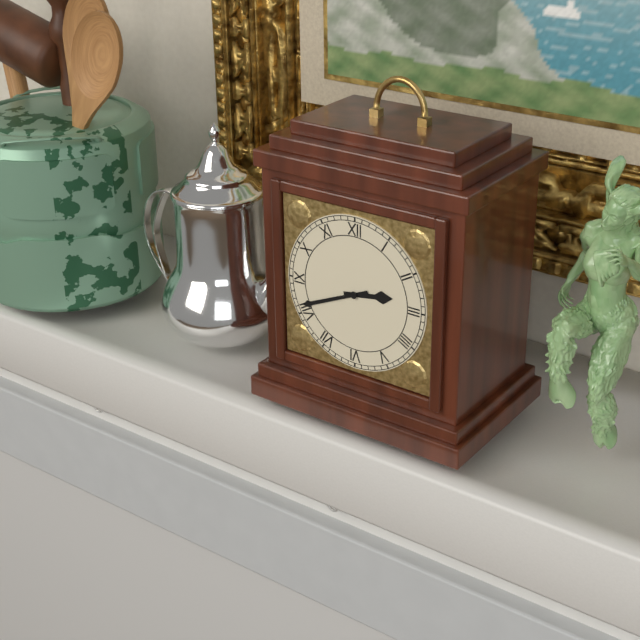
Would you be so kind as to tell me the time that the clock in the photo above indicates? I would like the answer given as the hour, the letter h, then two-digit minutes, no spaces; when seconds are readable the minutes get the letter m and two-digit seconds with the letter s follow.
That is 2h41
